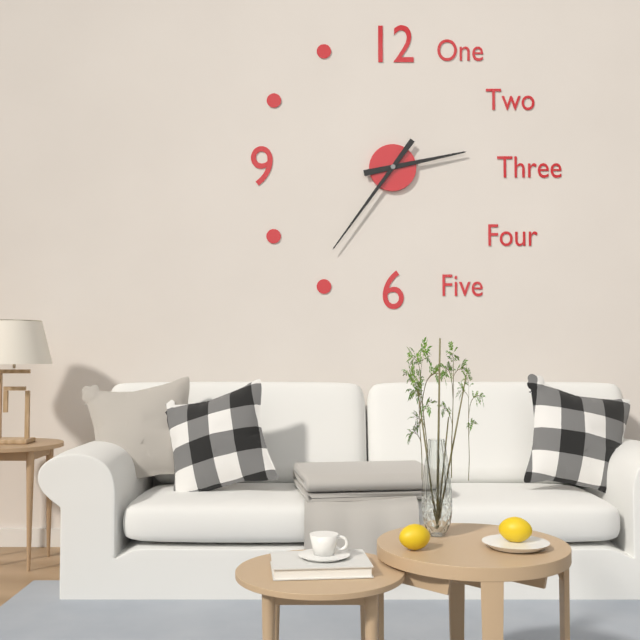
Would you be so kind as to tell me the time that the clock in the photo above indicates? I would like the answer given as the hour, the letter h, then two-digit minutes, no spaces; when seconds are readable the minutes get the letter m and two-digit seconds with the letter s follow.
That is 2h36
